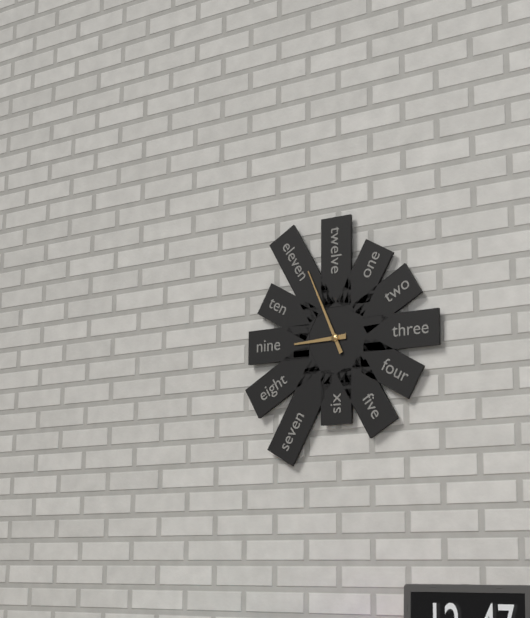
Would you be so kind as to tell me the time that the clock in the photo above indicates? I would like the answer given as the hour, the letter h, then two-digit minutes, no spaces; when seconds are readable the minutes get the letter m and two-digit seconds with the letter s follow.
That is 8h56
